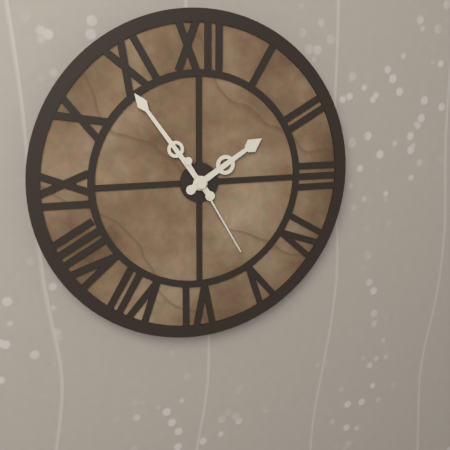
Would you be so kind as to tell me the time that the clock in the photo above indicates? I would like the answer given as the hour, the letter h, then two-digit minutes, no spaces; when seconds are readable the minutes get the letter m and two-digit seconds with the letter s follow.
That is 1h54m25s
